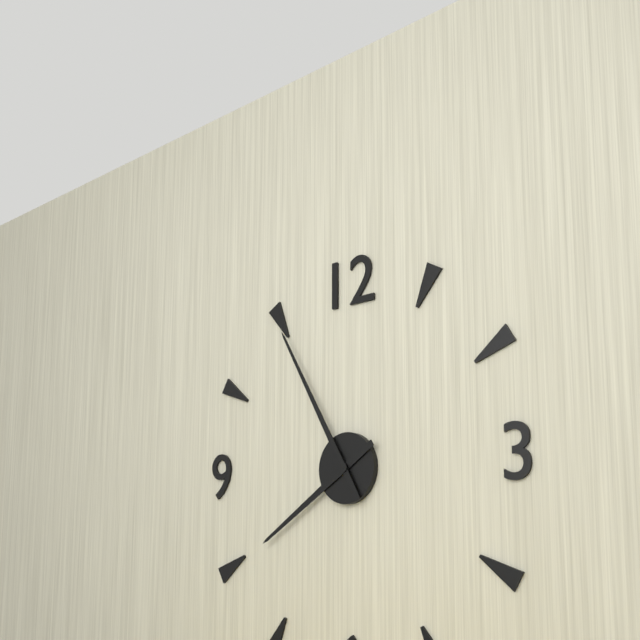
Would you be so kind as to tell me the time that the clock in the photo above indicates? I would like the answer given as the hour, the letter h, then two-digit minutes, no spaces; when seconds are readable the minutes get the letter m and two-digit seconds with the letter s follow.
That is 7h55
